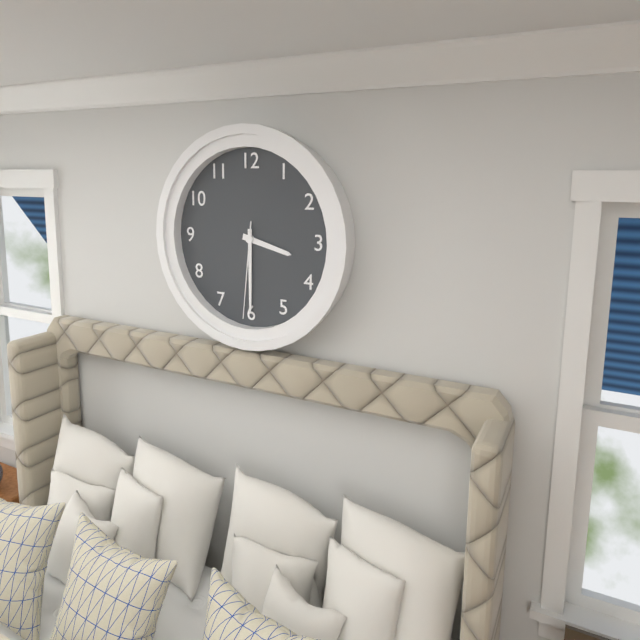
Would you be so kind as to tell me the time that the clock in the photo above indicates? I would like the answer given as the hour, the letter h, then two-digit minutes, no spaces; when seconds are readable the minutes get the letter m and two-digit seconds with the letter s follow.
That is 3h30m31s
